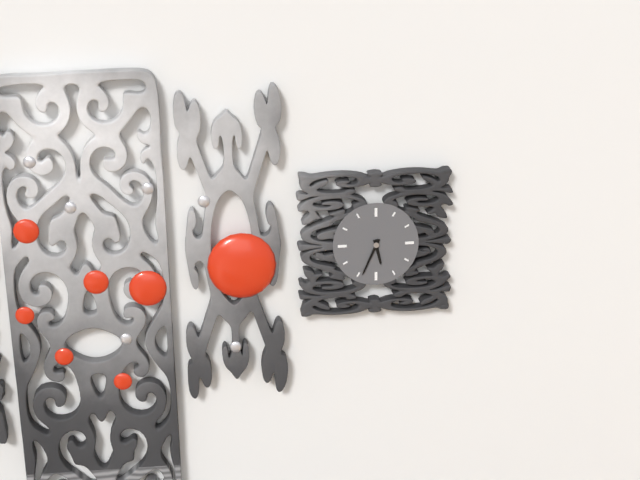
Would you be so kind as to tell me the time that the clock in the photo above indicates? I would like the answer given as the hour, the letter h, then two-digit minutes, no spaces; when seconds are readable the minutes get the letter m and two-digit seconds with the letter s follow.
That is 5h34
